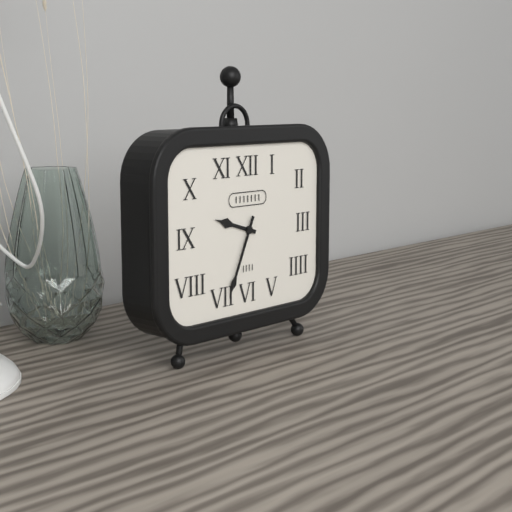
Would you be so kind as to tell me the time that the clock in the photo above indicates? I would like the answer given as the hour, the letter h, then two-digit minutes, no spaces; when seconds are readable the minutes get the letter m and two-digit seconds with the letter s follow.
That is 9h34
